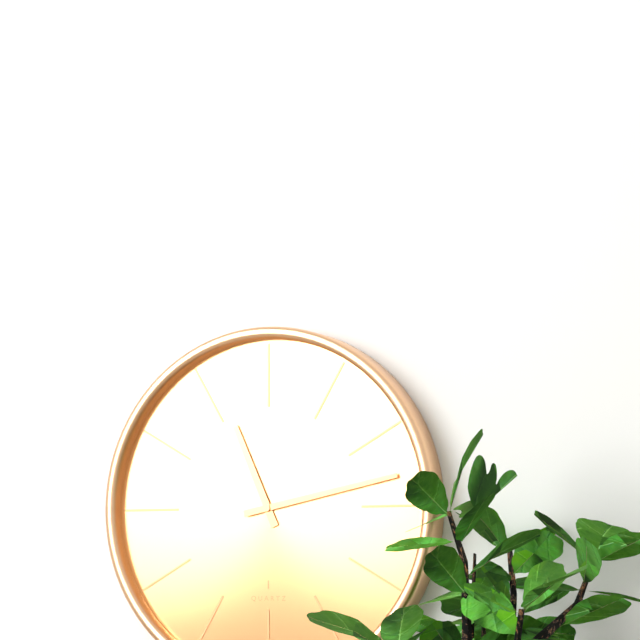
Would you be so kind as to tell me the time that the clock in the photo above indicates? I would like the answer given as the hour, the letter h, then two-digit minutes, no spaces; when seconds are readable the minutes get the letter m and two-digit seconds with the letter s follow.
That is 11h13
